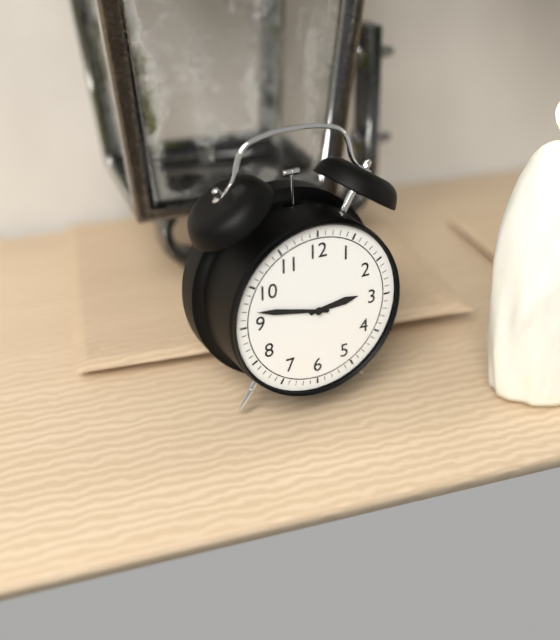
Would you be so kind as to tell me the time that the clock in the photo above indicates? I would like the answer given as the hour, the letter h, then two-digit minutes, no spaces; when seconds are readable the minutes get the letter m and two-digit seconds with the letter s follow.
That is 2h47
